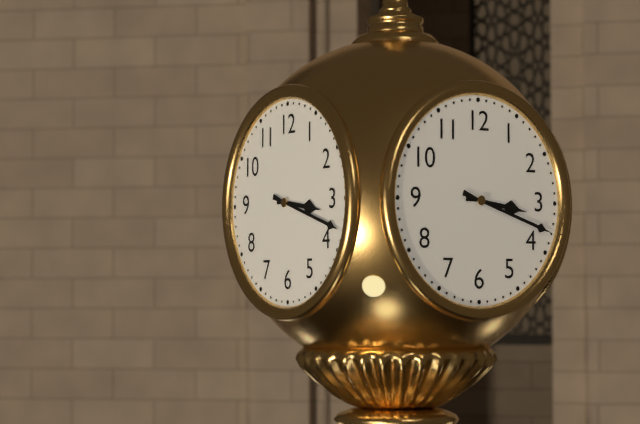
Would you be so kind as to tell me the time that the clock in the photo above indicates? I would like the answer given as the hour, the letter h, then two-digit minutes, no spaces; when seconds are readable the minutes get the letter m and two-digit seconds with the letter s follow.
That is 3h18
